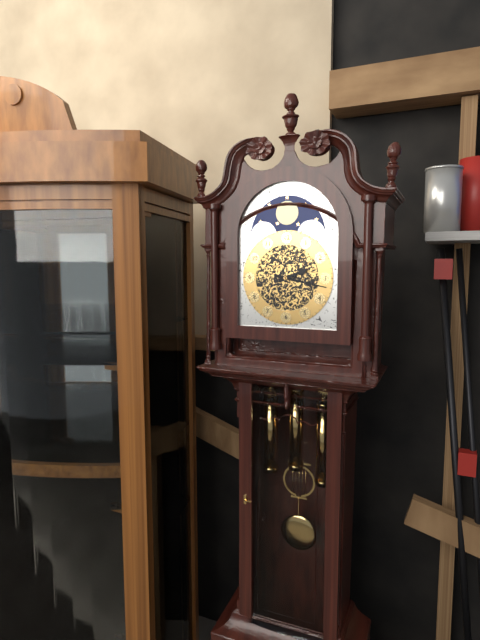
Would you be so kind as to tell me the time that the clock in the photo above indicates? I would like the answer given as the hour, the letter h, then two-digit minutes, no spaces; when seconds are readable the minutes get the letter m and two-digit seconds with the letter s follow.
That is 2h17
